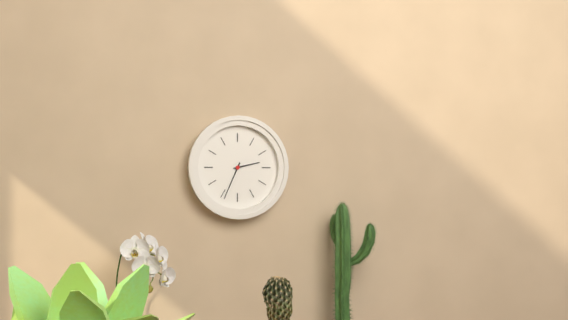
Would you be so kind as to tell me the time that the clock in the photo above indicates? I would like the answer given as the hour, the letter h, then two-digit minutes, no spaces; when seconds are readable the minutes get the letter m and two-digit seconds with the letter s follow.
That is 2h34
